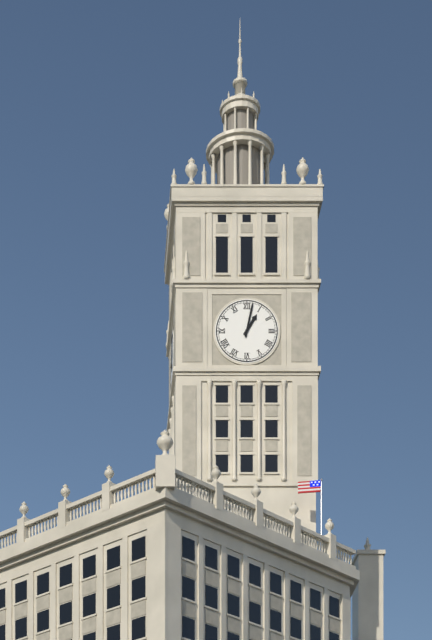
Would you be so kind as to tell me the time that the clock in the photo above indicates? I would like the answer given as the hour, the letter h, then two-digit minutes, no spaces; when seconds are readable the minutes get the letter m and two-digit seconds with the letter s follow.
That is 1h02
